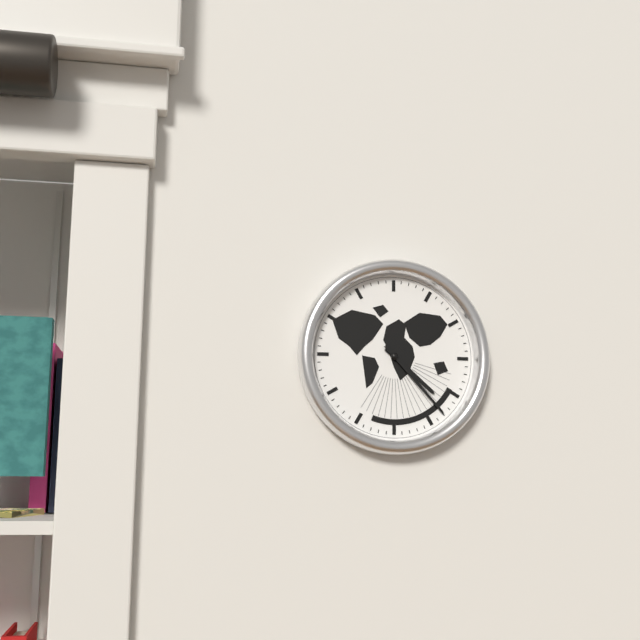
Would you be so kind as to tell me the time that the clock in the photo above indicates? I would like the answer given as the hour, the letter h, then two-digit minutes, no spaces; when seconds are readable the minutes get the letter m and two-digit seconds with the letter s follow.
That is 4h23
